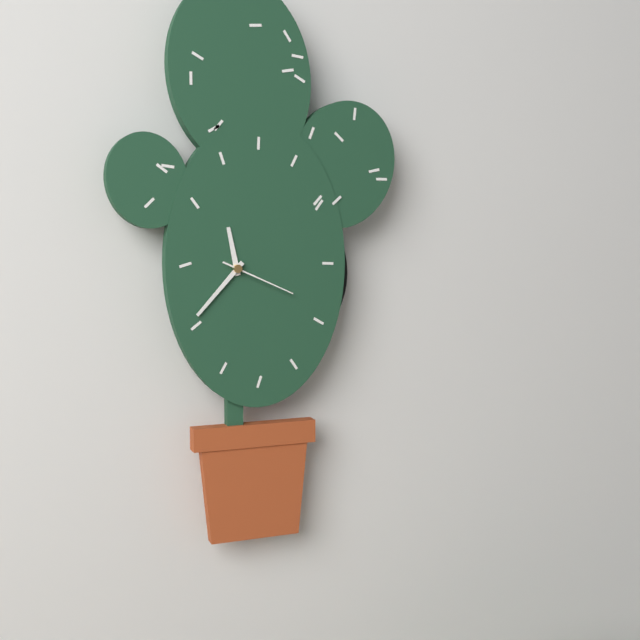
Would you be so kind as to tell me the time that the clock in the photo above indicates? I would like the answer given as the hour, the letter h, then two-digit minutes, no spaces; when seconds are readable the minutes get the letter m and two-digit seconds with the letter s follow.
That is 11h37m19s
